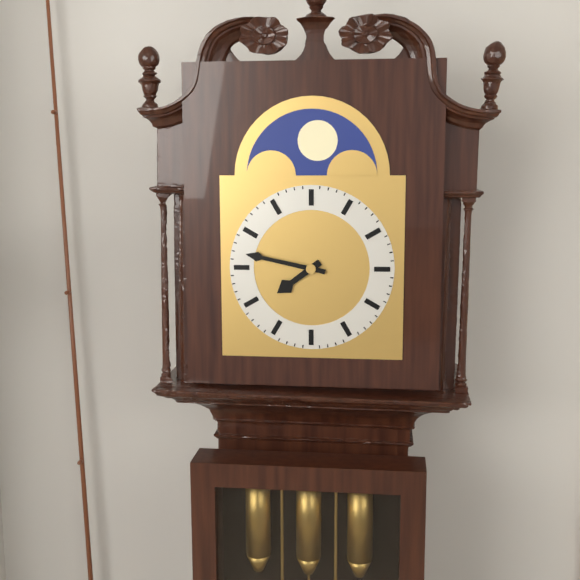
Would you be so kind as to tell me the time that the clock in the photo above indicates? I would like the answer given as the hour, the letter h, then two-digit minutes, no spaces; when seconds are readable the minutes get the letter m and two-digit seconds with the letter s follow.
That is 7h47
